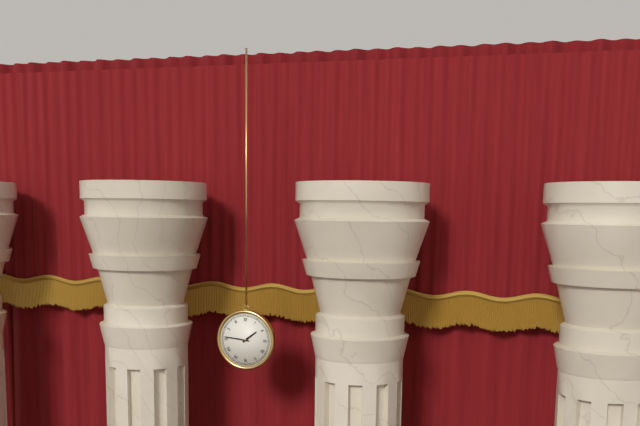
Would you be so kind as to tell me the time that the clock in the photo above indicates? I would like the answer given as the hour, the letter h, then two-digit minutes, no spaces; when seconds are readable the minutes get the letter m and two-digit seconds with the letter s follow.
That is 1h46
